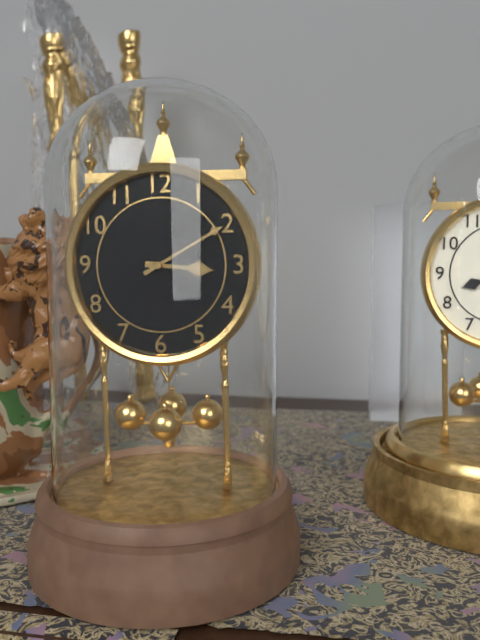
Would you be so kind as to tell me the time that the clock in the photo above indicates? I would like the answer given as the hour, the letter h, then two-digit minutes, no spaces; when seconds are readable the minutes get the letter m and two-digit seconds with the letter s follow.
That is 3h10
